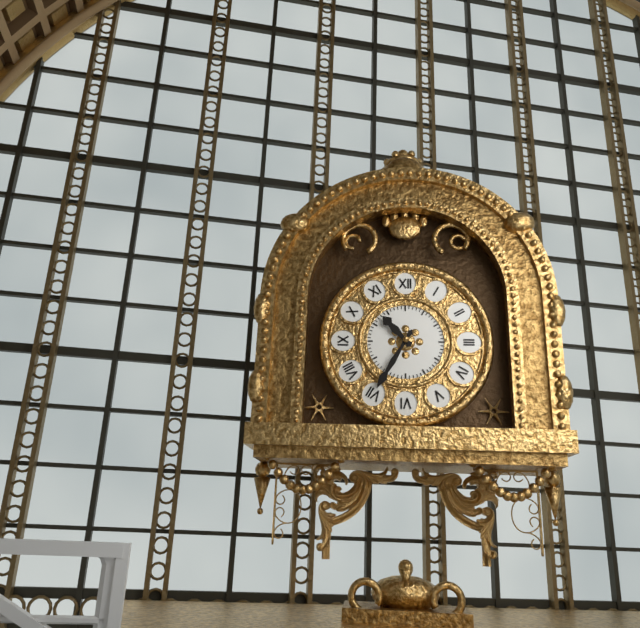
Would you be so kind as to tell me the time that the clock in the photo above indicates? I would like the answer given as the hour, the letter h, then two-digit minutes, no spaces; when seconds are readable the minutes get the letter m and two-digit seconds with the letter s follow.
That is 10h35
